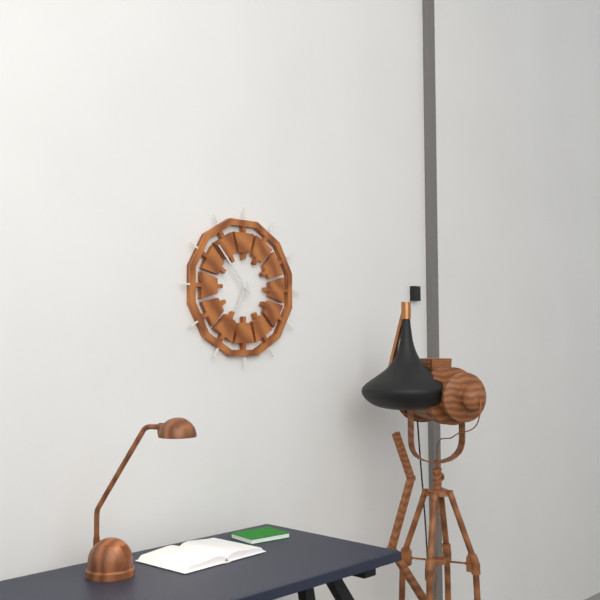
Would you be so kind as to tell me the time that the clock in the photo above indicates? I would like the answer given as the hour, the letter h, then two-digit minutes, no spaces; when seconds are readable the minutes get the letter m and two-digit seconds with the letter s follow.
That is 6h53
